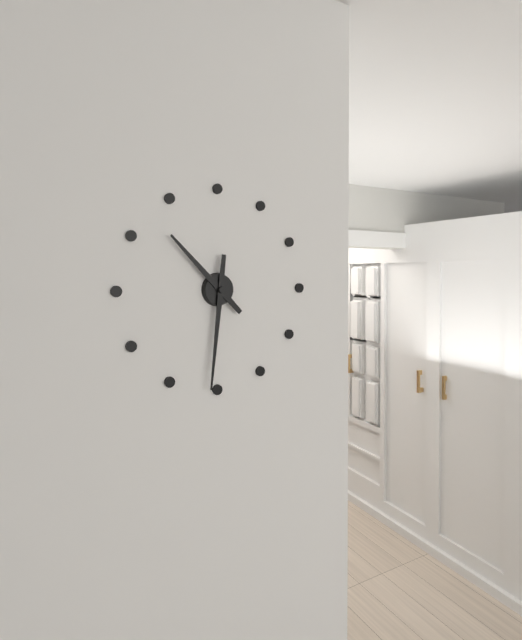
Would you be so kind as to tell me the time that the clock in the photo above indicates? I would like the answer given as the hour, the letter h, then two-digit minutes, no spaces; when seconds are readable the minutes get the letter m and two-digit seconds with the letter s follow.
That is 10h31
